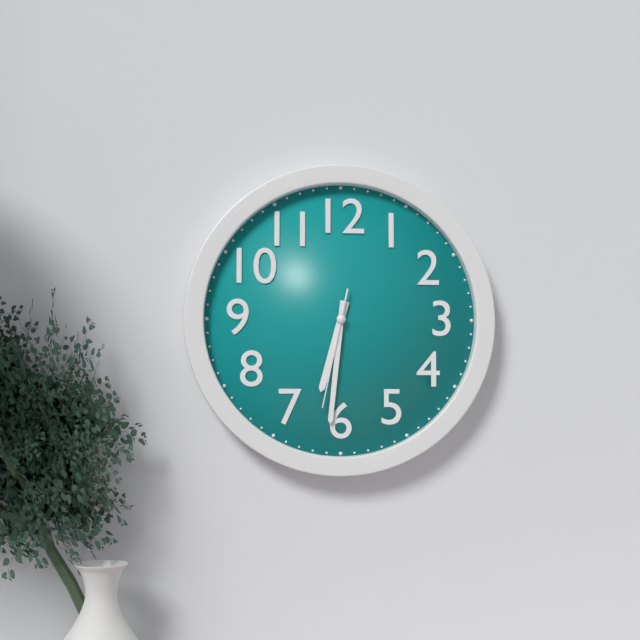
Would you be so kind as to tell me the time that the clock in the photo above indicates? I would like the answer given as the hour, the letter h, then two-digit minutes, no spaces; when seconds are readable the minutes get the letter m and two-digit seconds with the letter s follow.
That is 6h31m32s
